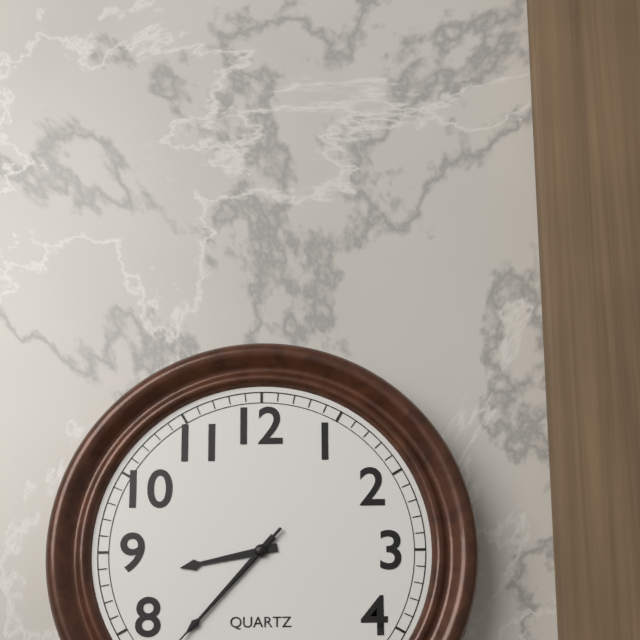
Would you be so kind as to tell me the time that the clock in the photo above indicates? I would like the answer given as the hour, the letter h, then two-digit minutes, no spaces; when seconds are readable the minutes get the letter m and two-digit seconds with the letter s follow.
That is 8h37
